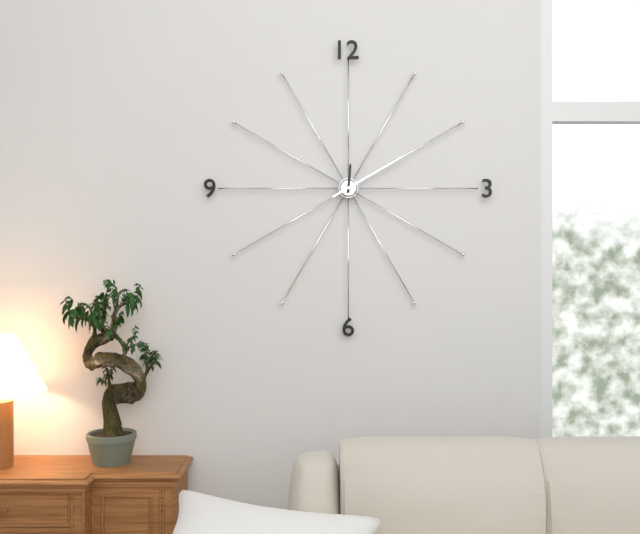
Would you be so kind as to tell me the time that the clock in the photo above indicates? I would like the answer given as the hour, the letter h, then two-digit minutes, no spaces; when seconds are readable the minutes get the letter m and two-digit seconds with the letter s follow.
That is 12h10
